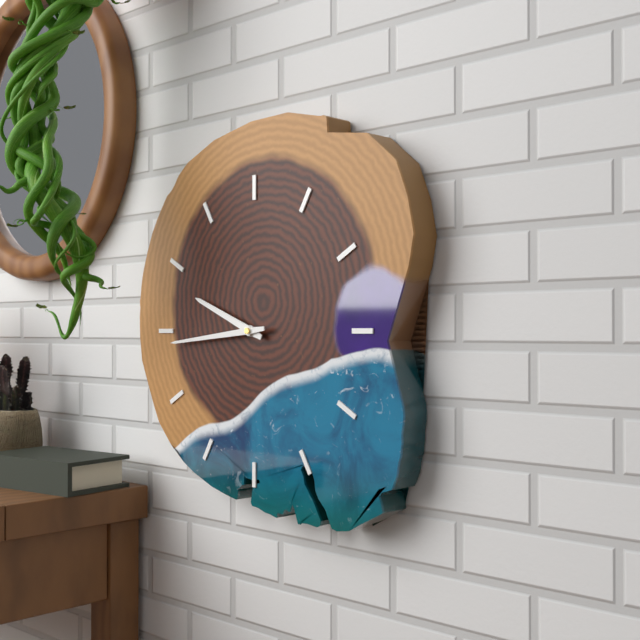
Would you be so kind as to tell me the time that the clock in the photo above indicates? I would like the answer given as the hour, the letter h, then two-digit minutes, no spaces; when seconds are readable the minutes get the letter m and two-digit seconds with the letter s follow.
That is 9h44
